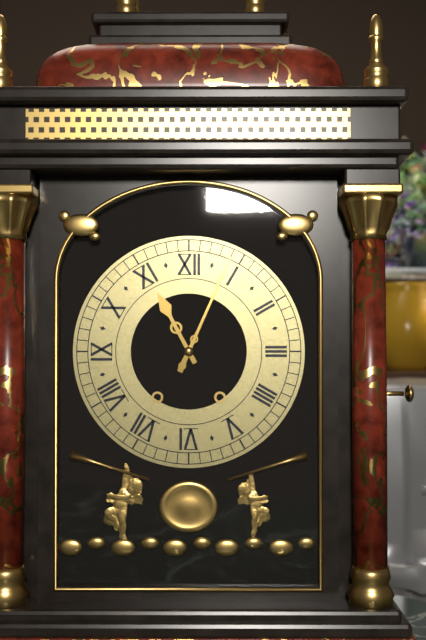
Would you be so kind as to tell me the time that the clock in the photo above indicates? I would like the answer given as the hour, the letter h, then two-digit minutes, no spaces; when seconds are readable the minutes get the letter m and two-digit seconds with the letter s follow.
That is 11h04
